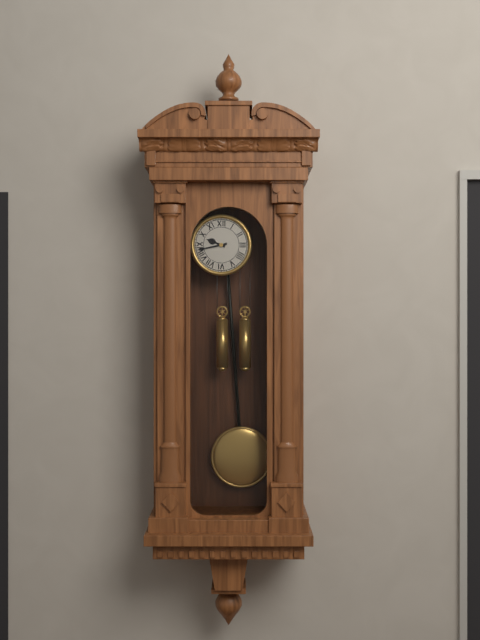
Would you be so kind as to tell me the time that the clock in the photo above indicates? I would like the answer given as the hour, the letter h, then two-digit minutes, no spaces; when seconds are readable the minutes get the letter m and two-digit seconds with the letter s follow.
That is 9h43
